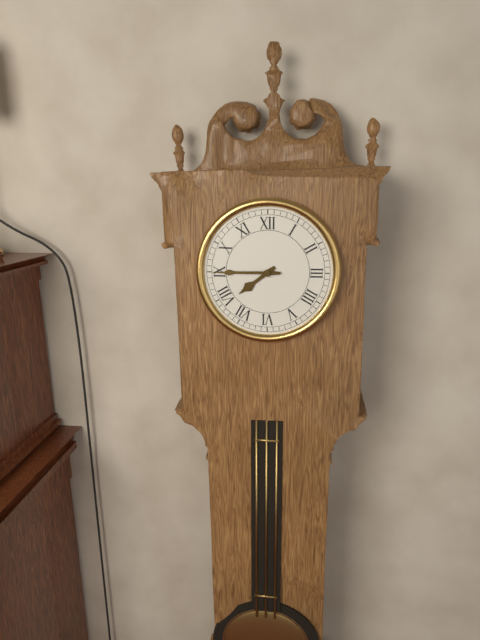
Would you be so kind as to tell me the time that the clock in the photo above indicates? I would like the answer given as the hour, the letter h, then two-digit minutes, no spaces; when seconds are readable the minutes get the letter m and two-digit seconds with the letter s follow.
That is 7h45
